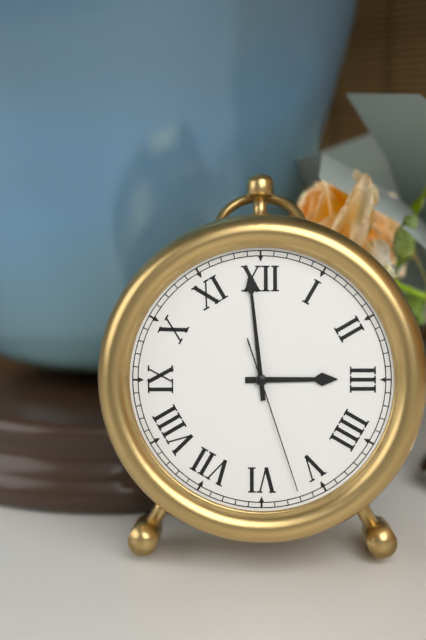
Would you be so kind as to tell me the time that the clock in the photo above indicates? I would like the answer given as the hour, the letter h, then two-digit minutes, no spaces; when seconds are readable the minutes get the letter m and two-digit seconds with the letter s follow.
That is 2h59m27s
